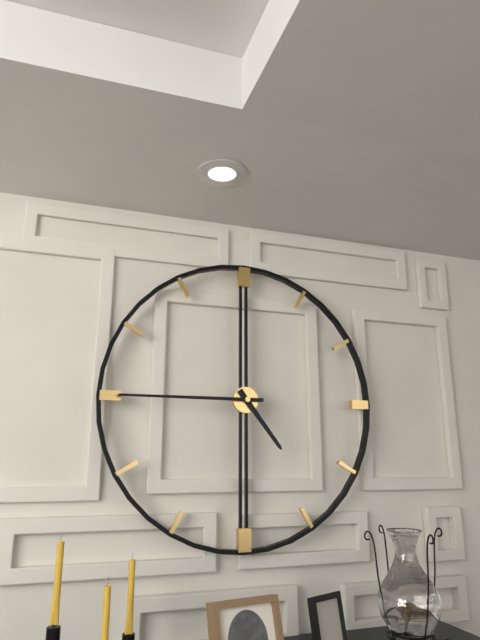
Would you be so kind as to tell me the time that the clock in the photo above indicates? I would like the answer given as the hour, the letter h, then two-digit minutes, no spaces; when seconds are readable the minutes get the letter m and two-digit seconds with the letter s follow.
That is 4h45
